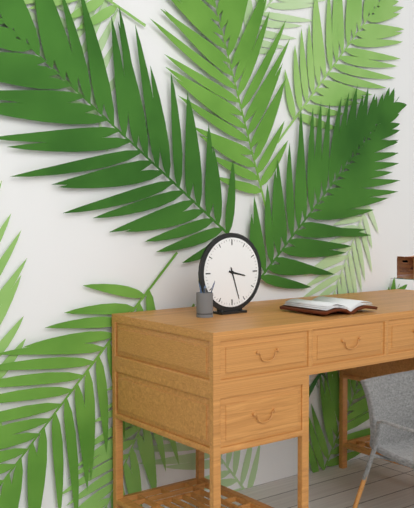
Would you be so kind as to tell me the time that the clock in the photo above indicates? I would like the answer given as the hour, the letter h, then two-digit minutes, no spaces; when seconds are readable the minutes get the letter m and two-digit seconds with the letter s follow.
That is 3h27
